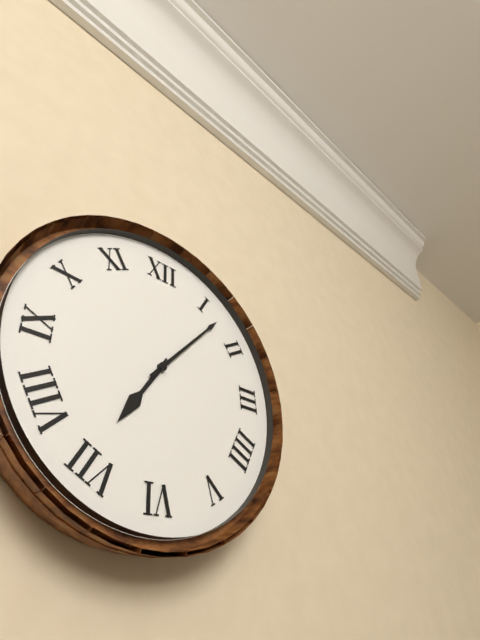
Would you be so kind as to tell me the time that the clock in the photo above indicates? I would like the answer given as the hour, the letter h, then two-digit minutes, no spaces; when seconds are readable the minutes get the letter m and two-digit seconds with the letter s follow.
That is 7h07
